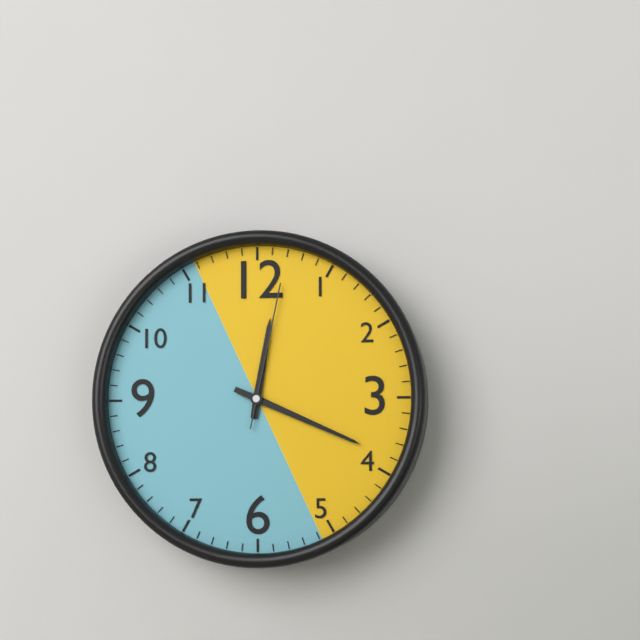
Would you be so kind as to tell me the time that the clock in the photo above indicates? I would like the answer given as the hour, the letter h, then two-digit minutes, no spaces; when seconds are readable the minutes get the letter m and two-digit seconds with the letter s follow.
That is 12h19m02s
